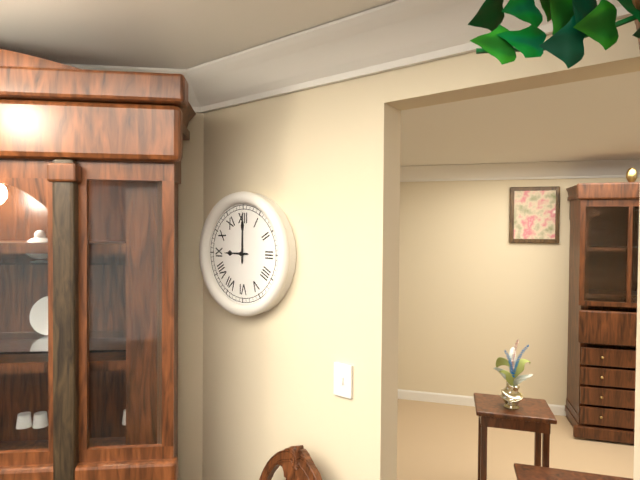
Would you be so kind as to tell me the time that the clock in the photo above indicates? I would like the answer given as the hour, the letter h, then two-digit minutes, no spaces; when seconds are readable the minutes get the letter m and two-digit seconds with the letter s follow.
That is 9h00
